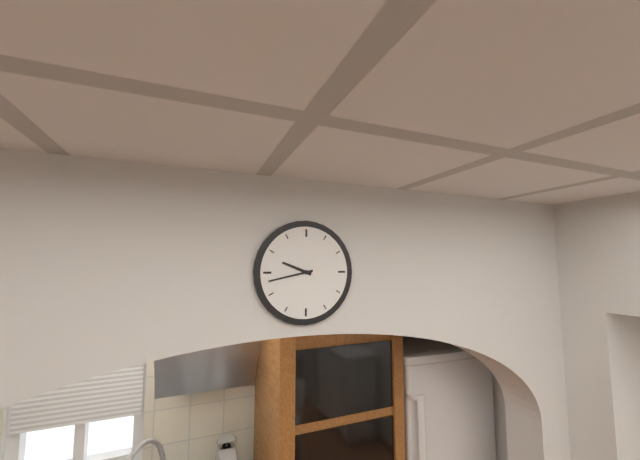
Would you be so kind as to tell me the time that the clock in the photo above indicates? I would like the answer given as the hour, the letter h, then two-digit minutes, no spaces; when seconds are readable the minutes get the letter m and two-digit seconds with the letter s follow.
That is 9h43
